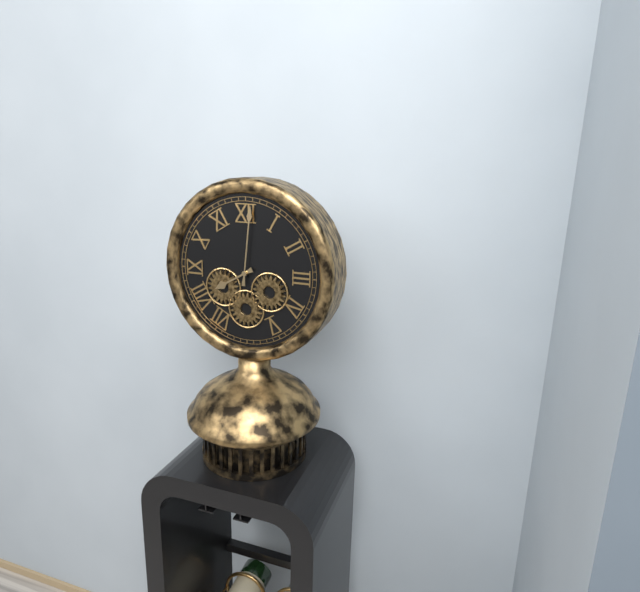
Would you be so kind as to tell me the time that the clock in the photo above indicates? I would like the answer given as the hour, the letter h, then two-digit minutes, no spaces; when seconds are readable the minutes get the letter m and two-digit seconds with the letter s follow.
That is 8h01
